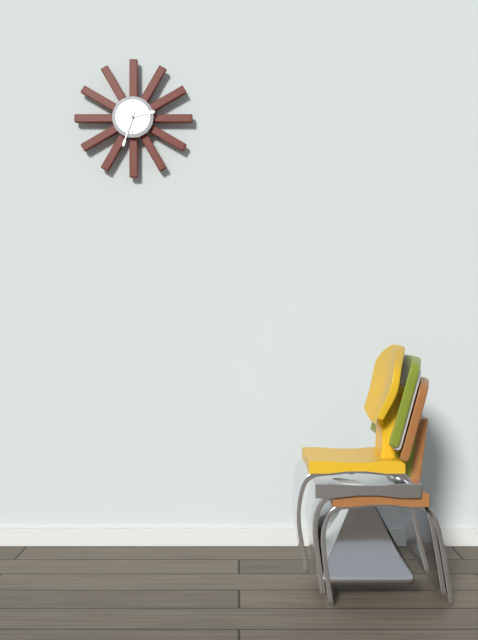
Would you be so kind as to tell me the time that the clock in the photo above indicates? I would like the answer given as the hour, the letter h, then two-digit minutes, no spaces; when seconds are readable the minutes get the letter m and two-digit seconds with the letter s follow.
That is 2h33
